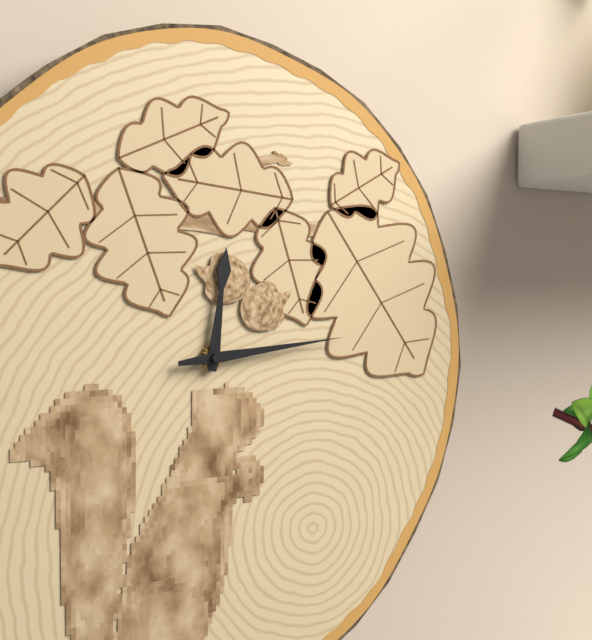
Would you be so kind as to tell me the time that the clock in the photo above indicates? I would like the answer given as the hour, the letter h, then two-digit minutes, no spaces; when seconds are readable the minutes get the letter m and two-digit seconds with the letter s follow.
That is 12h14
